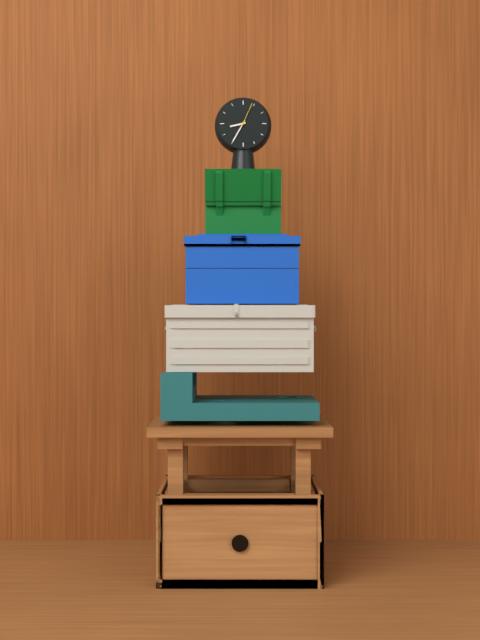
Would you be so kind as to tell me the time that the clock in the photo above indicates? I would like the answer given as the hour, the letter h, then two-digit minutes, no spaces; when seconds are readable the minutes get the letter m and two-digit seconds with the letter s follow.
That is 8h35
